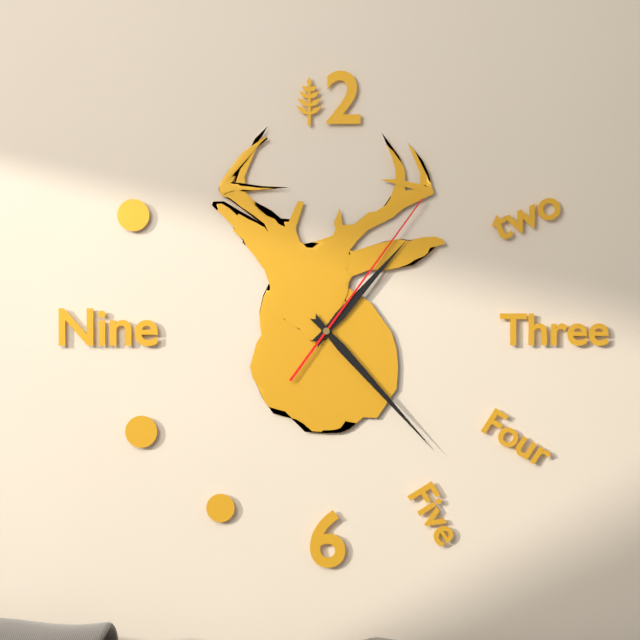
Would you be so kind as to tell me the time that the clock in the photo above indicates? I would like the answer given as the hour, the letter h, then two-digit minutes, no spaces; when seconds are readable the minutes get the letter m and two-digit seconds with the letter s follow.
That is 1h23m06s
